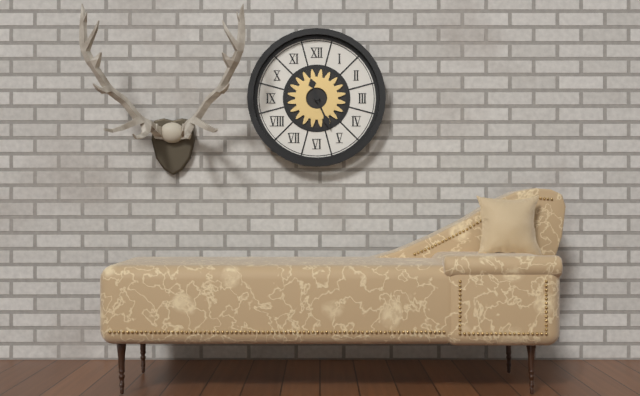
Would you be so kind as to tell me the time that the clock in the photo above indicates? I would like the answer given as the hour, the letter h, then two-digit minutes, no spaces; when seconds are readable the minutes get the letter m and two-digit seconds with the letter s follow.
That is 11h26
